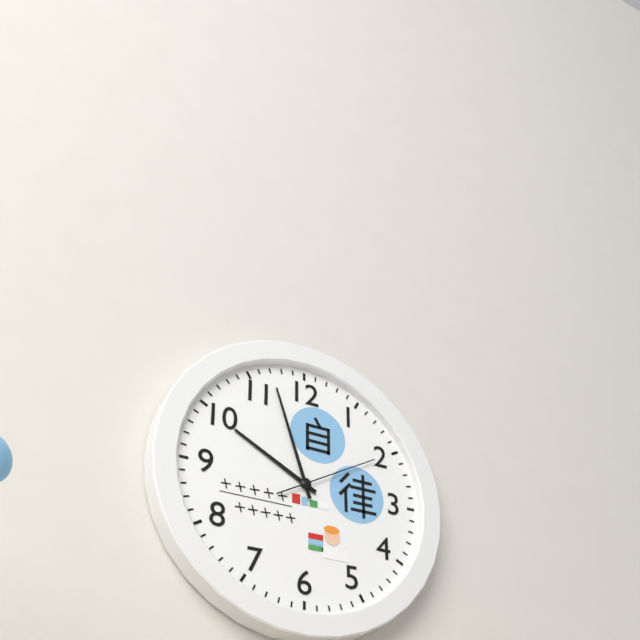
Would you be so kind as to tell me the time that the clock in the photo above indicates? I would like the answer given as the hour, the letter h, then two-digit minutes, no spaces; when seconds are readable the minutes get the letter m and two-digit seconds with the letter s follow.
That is 9h57m10s
